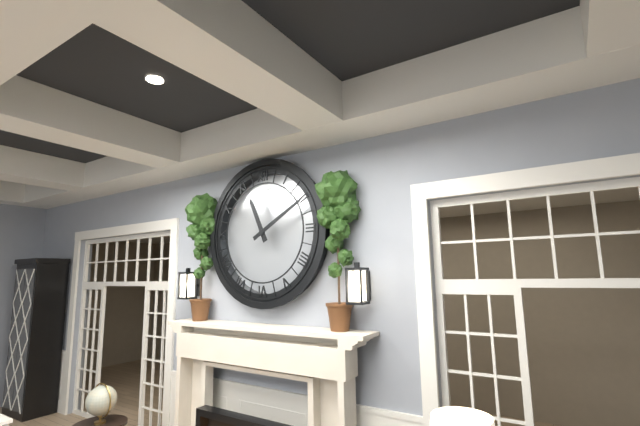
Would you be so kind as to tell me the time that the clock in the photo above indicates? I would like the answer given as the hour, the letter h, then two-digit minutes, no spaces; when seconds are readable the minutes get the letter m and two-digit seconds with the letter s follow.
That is 11h10
